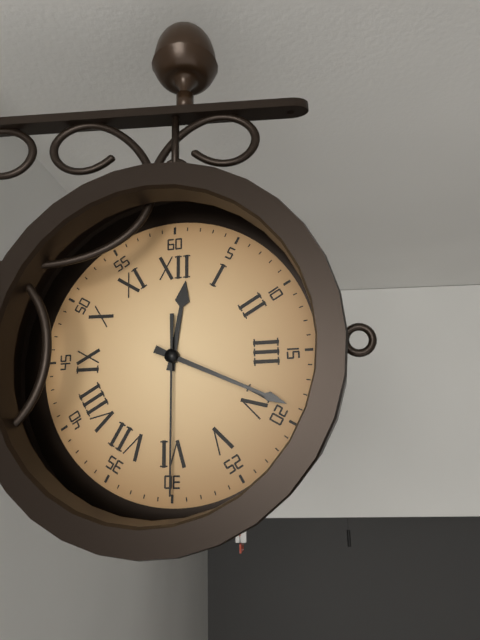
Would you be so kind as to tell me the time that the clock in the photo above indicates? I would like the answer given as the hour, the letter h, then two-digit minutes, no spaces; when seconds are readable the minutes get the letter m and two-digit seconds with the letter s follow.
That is 12h19m30s
